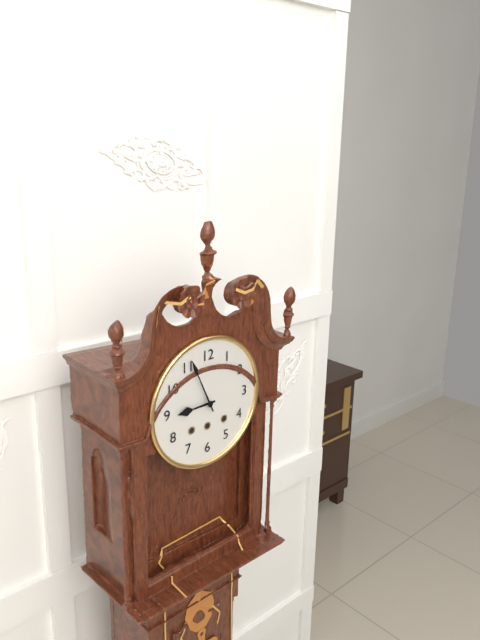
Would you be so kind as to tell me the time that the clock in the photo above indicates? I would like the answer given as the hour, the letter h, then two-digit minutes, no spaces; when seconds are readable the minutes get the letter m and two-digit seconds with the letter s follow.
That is 8h56
